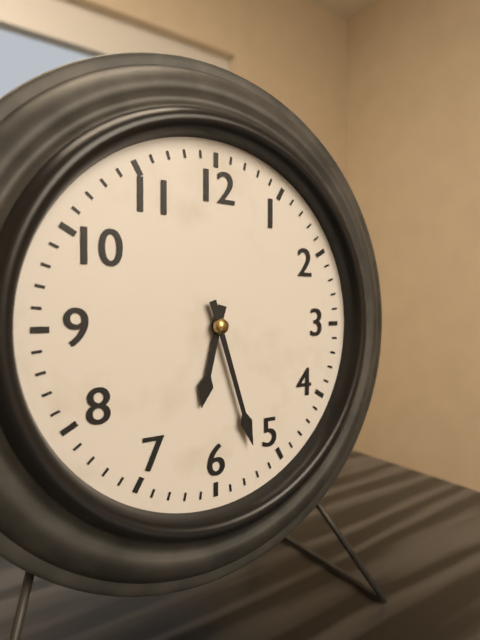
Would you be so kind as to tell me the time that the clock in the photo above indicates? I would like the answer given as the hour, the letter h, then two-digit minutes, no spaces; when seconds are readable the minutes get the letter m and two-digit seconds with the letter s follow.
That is 6h27
